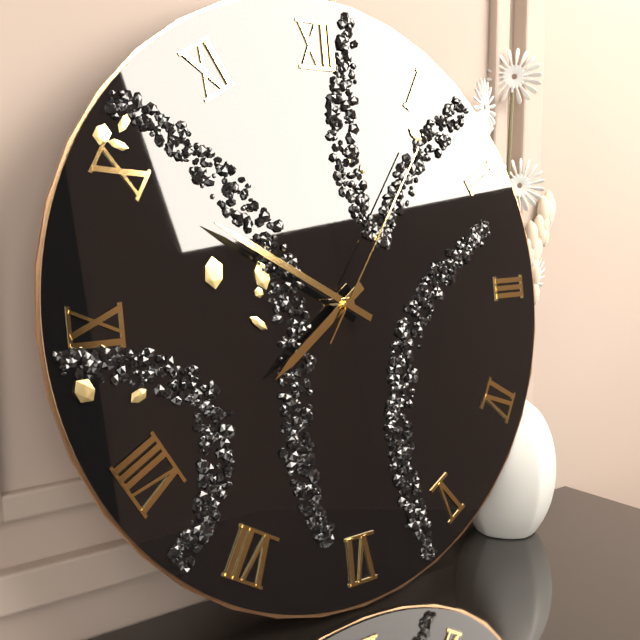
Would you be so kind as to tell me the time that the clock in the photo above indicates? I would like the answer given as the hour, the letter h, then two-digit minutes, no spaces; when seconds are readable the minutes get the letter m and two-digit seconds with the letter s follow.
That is 7h50m06s
